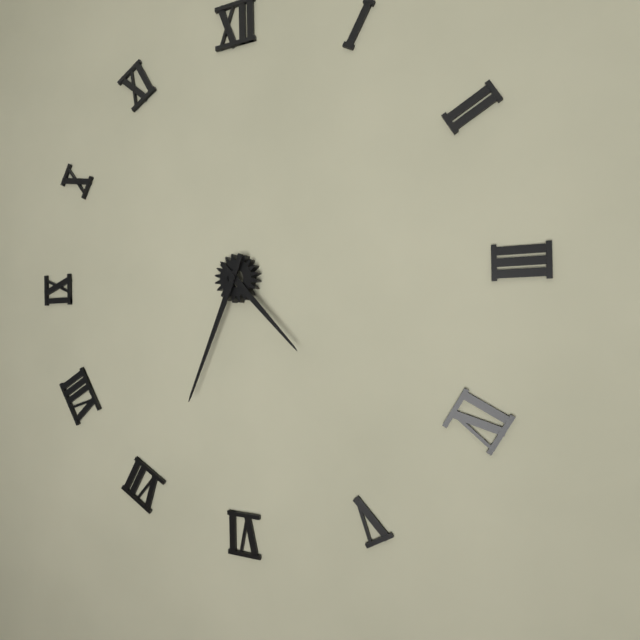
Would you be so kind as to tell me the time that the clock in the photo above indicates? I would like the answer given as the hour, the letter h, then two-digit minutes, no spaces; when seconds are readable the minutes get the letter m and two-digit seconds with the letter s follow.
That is 4h34
